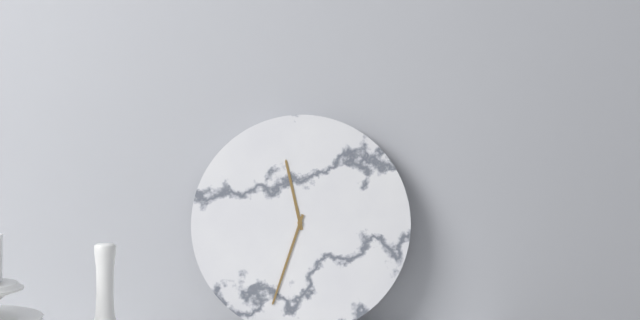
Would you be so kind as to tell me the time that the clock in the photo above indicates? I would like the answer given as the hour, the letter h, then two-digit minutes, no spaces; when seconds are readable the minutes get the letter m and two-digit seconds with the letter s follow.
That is 11h33
